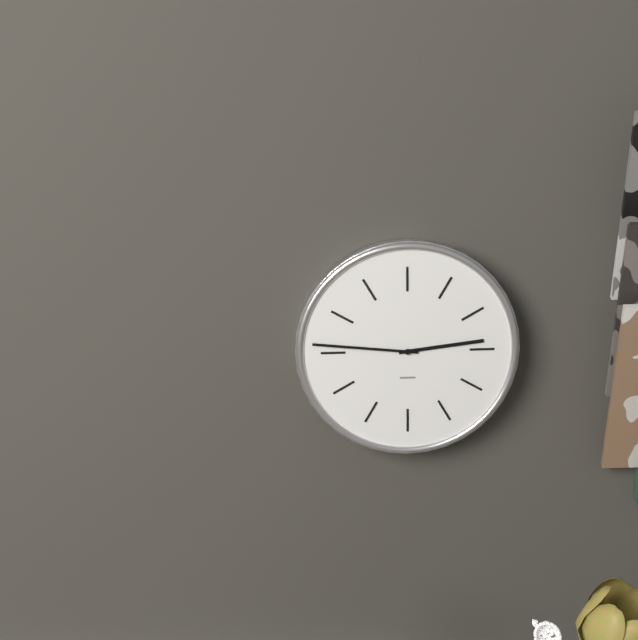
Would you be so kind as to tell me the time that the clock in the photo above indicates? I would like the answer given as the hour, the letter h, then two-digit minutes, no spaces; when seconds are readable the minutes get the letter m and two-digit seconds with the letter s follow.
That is 2h46
